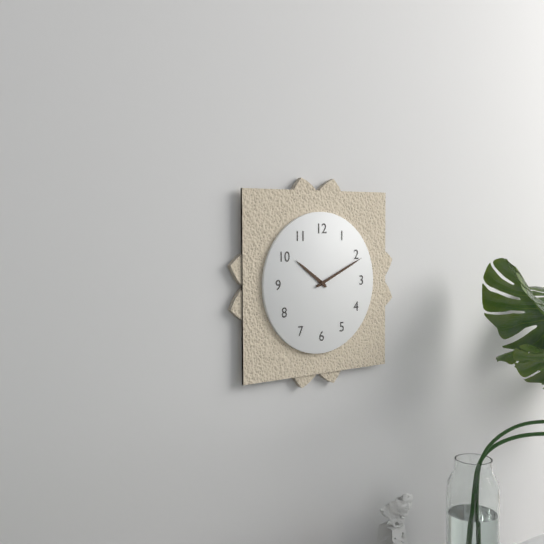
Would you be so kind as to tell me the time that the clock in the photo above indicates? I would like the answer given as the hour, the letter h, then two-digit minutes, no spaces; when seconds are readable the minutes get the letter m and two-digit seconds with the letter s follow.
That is 10h11
